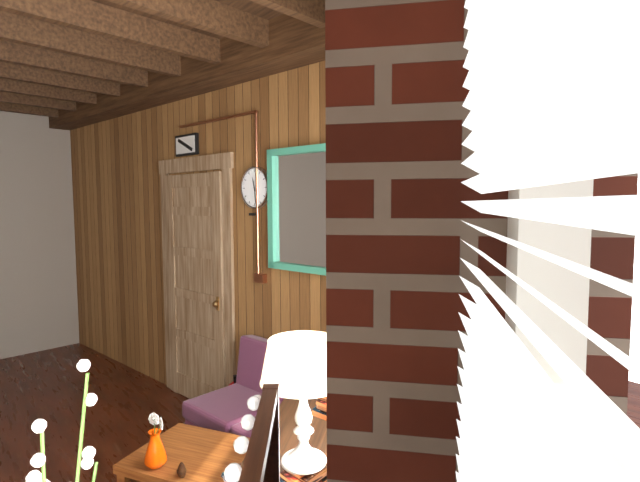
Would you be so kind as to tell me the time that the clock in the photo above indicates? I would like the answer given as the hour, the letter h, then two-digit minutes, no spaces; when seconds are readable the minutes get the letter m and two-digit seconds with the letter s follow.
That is 11h29
